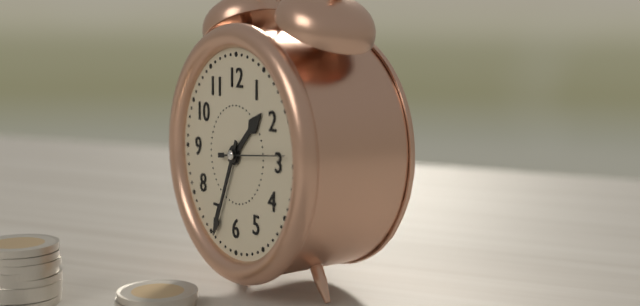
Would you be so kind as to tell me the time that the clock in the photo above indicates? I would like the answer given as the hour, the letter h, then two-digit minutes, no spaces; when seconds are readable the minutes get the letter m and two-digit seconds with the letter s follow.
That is 1h34m14s
